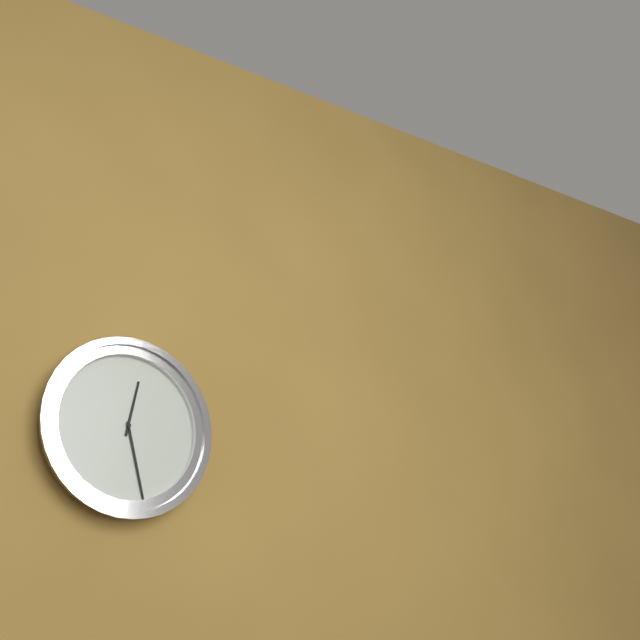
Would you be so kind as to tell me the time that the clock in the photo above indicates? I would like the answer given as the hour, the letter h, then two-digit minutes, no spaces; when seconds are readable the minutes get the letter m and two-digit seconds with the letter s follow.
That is 12h28
